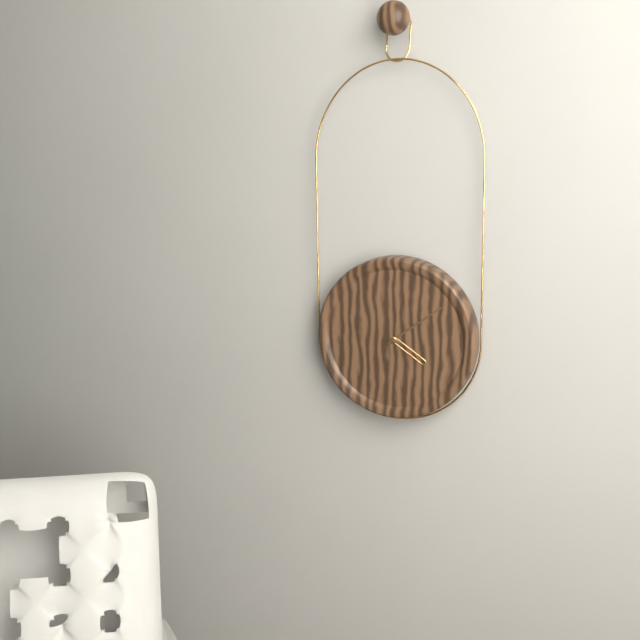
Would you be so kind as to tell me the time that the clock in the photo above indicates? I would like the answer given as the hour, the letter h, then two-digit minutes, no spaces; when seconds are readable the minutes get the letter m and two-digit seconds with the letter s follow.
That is 4h09
